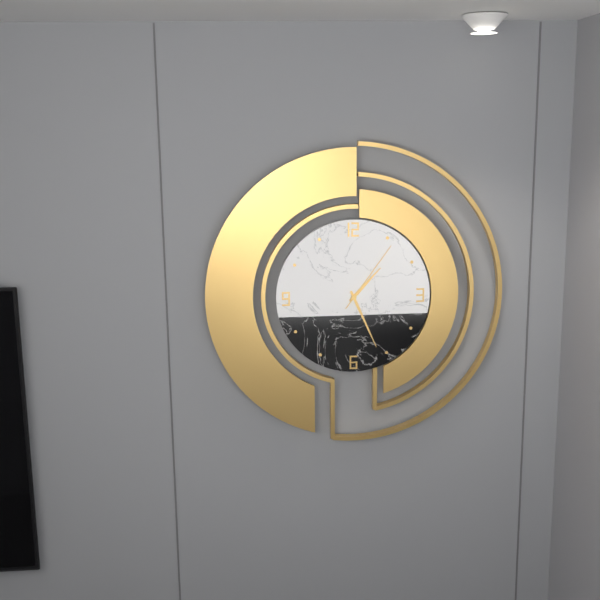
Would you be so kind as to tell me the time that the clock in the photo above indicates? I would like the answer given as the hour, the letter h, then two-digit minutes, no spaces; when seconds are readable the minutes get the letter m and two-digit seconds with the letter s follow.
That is 1h26m06s
